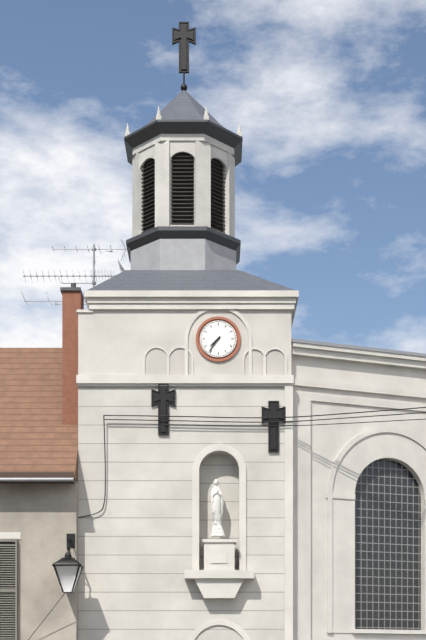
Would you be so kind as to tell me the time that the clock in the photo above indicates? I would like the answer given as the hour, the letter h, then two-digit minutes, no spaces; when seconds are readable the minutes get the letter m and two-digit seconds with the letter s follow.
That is 7h36
